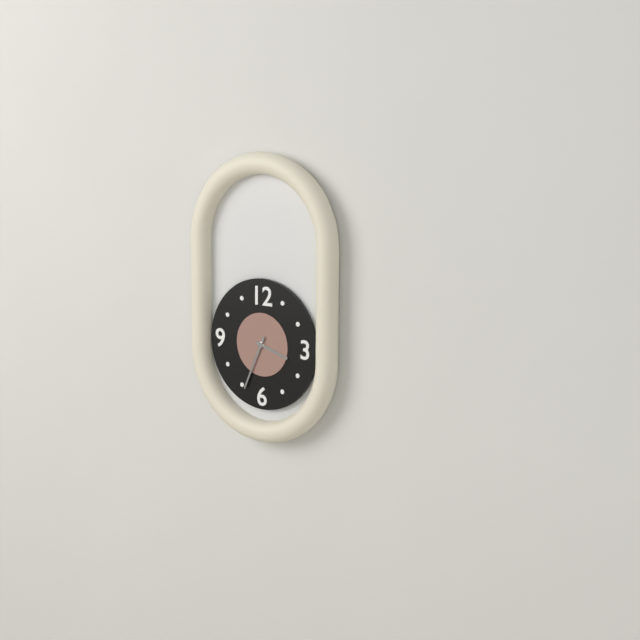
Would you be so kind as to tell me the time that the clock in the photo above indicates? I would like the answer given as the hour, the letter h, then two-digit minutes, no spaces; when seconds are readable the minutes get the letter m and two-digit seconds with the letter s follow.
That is 3h34
